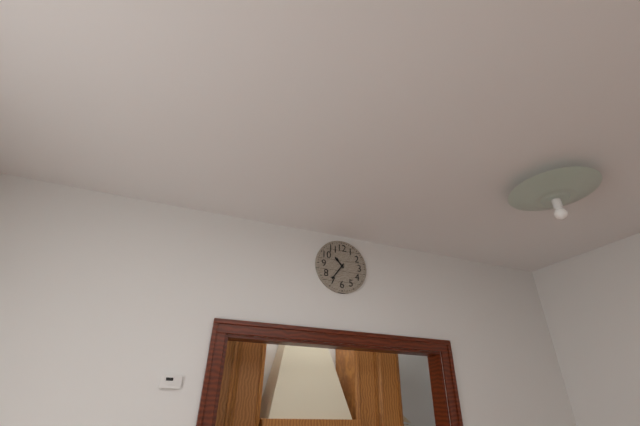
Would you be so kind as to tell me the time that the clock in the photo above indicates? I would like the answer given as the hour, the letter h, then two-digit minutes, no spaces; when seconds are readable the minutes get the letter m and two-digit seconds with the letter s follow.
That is 10h36
